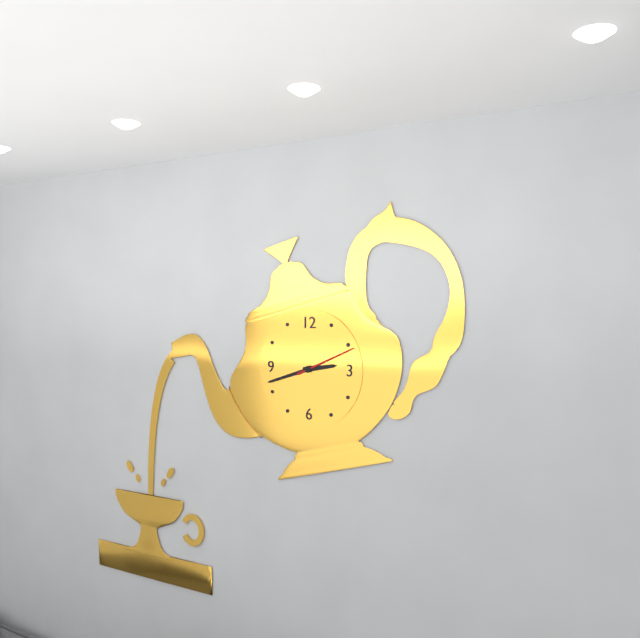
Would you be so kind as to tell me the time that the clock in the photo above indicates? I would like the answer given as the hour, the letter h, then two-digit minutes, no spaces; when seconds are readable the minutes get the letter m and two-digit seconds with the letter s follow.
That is 2h42m11s
